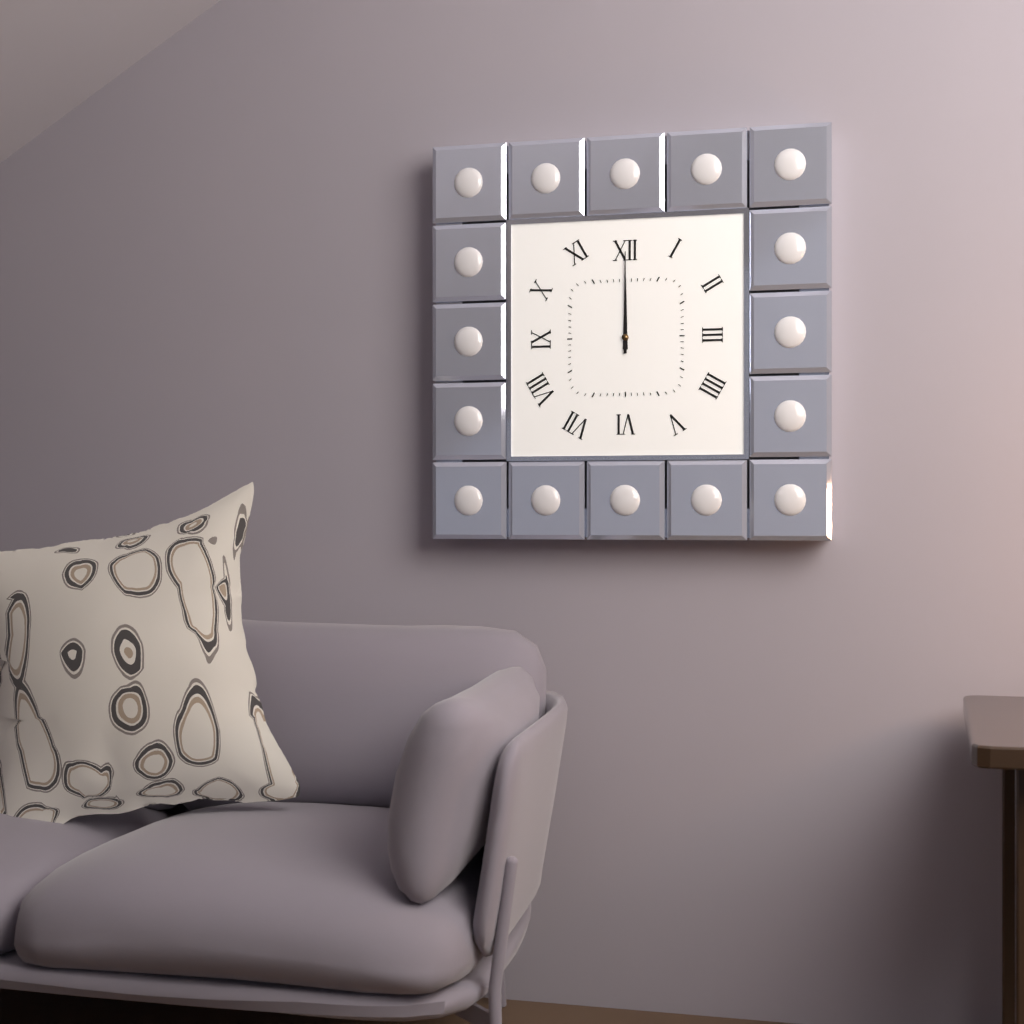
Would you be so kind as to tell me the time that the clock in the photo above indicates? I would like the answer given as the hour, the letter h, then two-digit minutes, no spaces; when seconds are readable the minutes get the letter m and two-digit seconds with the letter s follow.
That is 12h00
